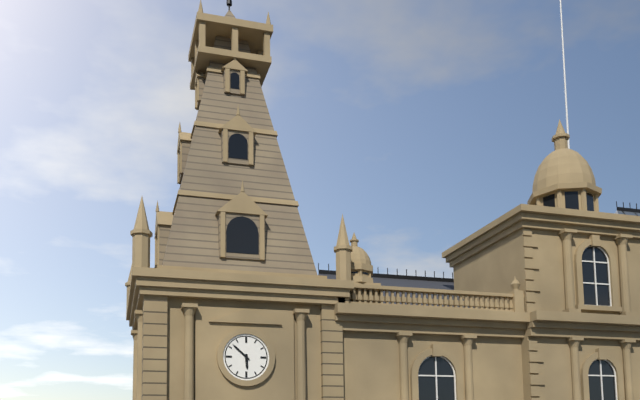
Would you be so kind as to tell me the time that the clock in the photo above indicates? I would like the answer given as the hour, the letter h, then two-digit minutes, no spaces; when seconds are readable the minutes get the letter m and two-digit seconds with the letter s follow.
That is 5h52
